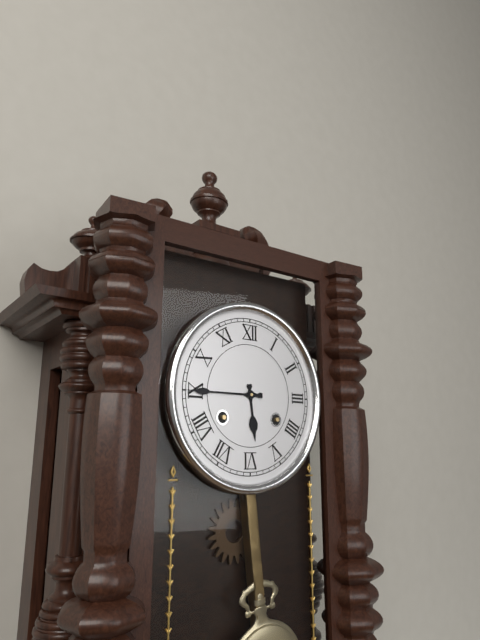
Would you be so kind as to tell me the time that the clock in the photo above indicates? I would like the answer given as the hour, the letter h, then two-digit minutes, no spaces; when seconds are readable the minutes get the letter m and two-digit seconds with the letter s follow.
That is 5h45
